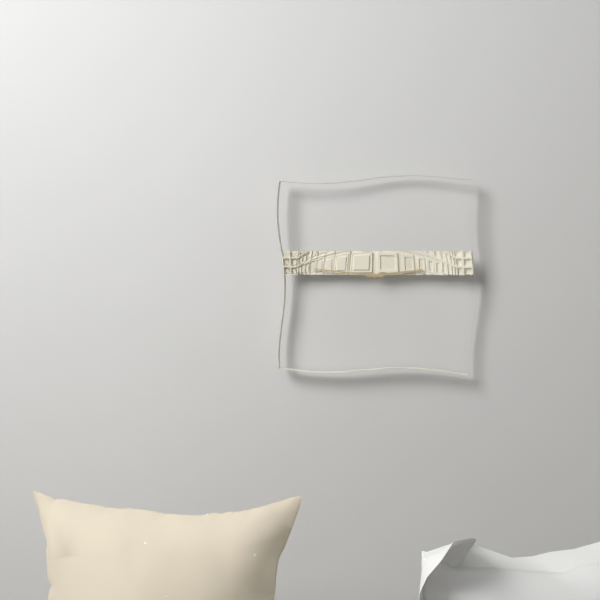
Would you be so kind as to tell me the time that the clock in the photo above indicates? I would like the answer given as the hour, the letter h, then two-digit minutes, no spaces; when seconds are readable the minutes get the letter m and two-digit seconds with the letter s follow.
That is 2h46
